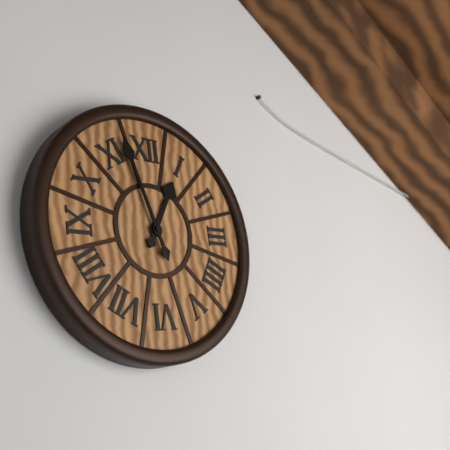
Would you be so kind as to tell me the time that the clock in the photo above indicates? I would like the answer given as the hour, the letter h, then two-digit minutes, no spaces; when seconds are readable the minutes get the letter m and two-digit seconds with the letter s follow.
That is 12h57
